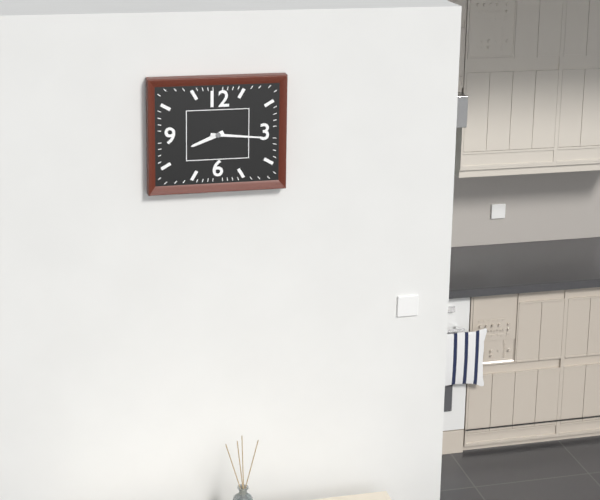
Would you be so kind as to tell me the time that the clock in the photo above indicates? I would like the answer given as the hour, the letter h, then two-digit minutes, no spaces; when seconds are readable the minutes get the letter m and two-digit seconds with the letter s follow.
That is 8h16
